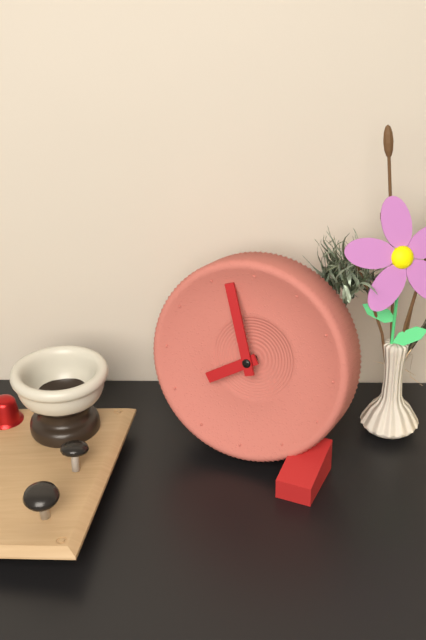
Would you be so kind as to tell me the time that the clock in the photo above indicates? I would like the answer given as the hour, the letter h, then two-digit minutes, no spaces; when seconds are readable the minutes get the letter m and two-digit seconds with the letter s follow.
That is 7h57
